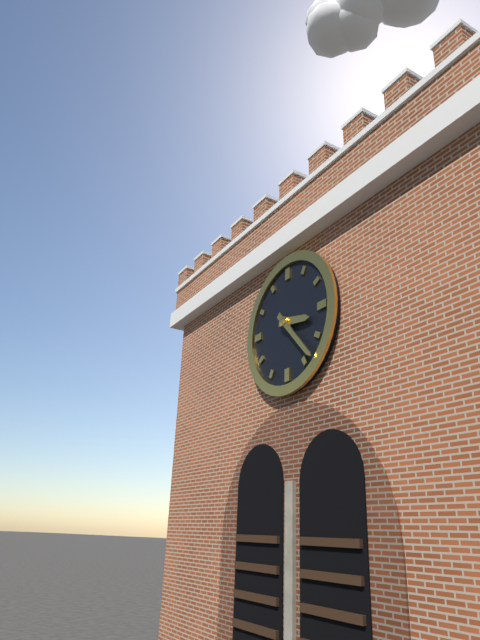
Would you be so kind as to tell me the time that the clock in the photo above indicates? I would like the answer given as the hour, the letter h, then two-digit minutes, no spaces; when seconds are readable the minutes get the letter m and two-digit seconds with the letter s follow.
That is 3h23
